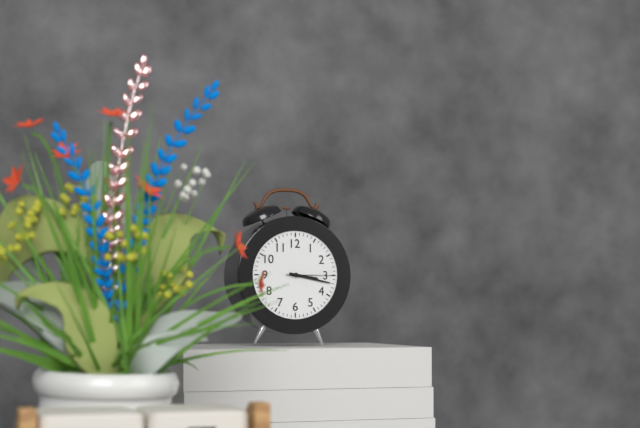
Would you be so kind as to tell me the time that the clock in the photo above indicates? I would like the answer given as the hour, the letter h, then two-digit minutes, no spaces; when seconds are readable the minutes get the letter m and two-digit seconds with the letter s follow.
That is 3h17
